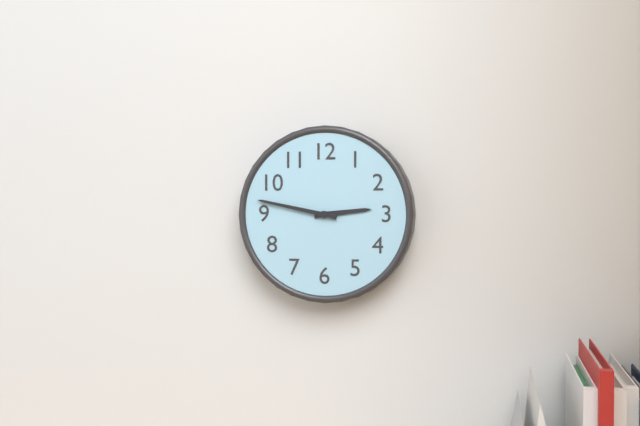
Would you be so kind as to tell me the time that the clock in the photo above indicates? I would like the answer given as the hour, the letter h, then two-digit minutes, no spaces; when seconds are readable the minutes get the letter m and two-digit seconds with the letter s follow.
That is 2h47
